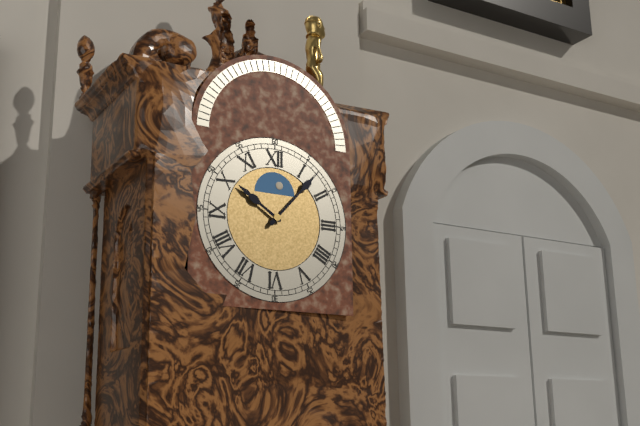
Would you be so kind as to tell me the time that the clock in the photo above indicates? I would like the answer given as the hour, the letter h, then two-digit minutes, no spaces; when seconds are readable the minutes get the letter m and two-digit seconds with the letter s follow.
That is 10h07
